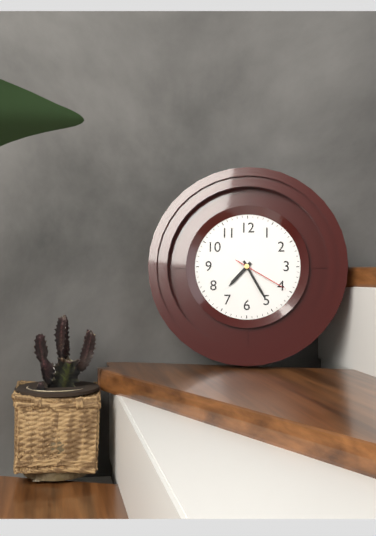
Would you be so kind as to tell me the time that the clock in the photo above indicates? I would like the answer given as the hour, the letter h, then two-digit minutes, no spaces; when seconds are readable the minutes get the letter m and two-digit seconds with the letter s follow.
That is 7h25m20s
